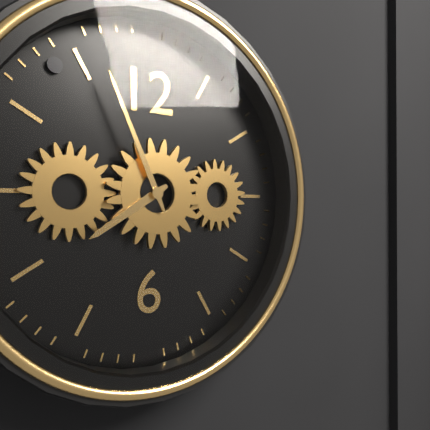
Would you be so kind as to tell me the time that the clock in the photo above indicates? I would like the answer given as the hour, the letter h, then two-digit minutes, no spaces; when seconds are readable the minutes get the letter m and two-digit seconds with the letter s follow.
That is 7h56
